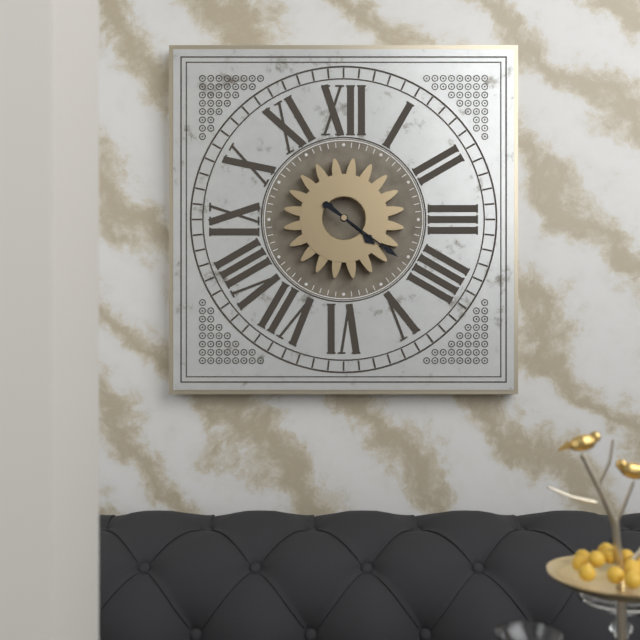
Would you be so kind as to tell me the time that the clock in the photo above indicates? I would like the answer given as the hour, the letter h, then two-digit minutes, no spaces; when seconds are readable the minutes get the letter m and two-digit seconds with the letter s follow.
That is 4h21
